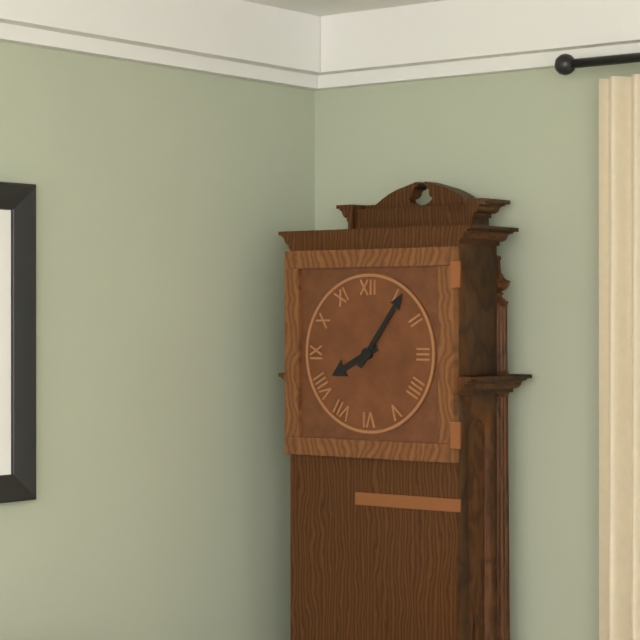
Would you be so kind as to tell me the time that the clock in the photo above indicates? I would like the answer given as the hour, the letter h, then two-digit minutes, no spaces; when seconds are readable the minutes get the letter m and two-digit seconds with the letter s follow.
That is 8h06
